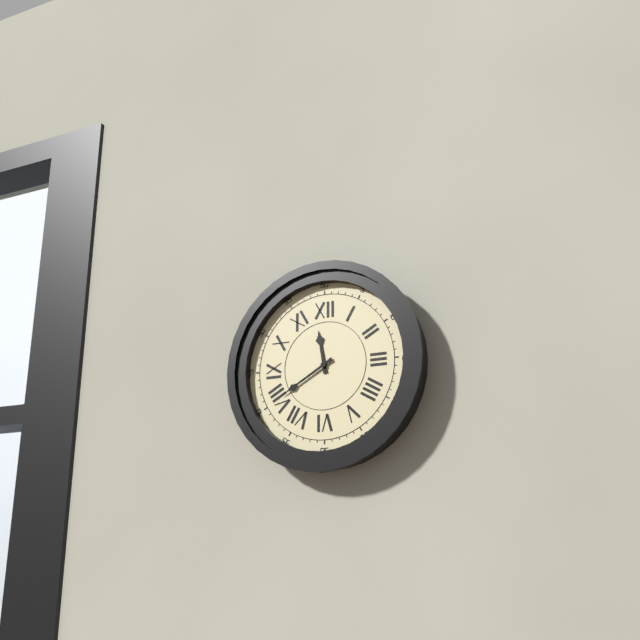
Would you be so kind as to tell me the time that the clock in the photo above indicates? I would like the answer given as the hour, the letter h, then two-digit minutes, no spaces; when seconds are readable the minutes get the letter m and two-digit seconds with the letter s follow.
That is 11h40
